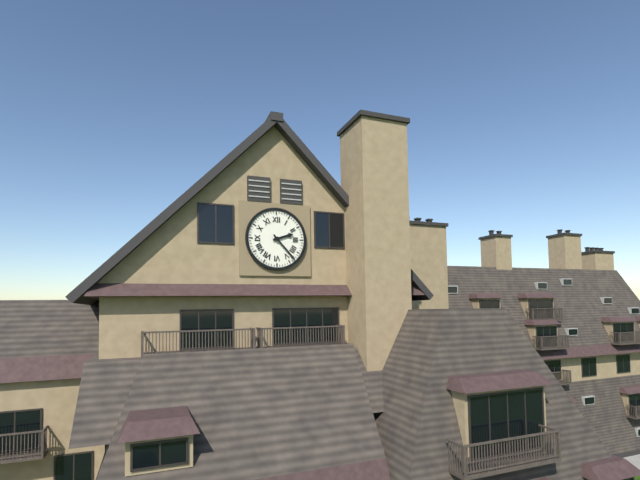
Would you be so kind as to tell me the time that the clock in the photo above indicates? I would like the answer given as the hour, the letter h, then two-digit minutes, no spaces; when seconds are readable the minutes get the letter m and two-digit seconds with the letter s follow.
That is 2h23
